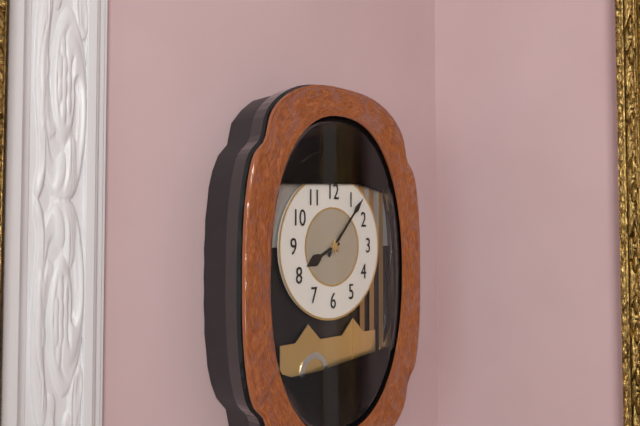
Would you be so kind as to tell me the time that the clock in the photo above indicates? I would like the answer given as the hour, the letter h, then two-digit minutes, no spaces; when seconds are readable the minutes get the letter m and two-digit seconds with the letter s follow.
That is 8h07
